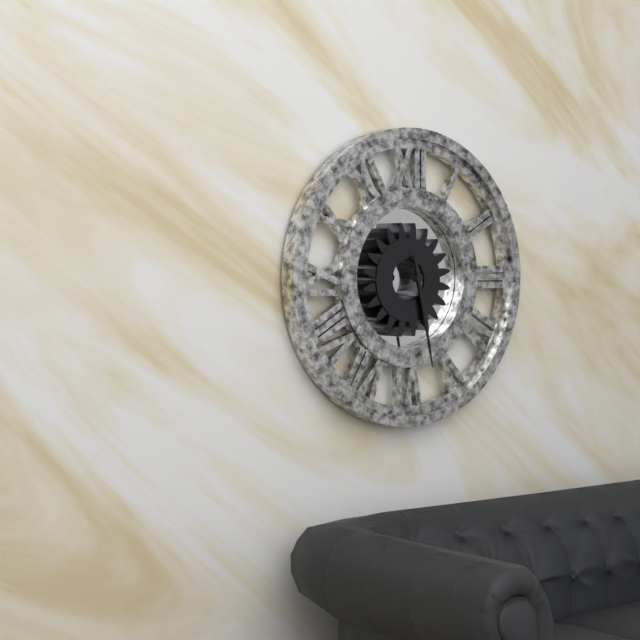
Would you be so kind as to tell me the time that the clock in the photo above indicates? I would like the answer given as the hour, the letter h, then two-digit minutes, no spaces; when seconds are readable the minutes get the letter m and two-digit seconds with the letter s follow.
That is 5h28
